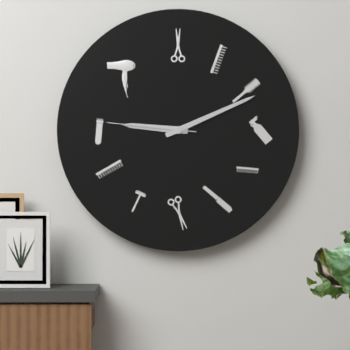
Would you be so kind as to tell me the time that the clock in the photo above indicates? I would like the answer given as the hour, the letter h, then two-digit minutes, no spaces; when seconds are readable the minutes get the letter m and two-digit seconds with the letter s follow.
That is 9h11m46s
